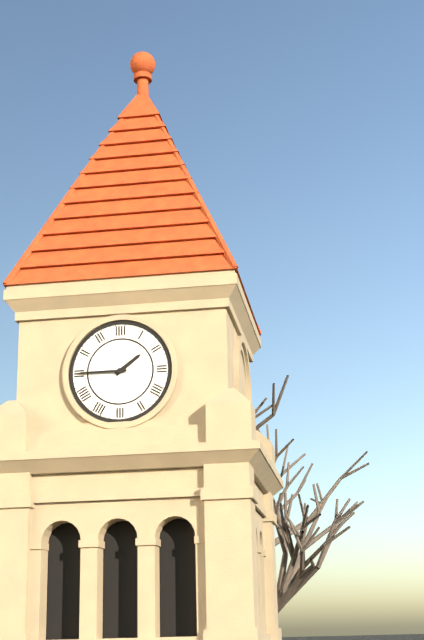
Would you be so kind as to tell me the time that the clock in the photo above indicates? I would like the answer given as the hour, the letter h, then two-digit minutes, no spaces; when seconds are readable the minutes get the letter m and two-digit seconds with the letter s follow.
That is 1h45
